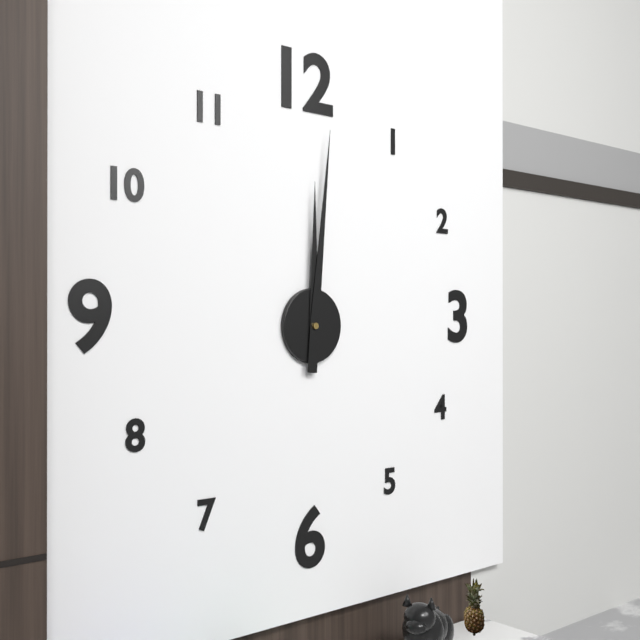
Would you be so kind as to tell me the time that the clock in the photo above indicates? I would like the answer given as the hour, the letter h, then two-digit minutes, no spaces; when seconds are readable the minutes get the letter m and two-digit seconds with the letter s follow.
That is 12h01
